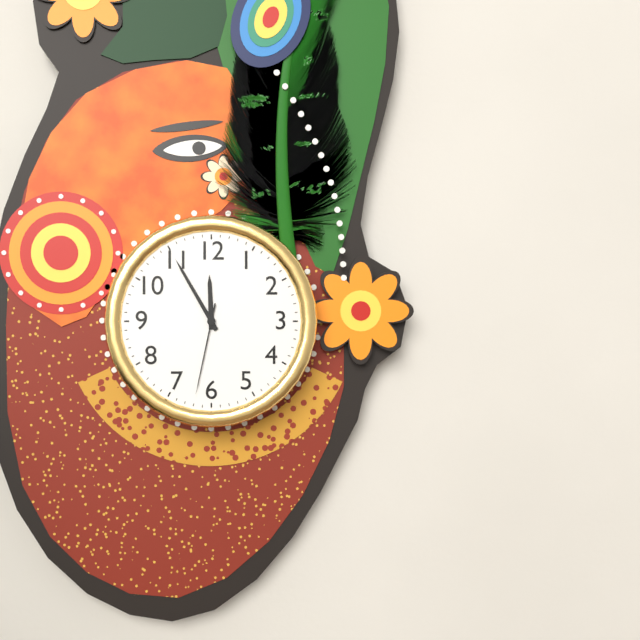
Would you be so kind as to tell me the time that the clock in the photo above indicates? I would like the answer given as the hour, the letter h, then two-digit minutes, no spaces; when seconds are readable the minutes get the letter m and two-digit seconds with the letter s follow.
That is 11h55m32s
